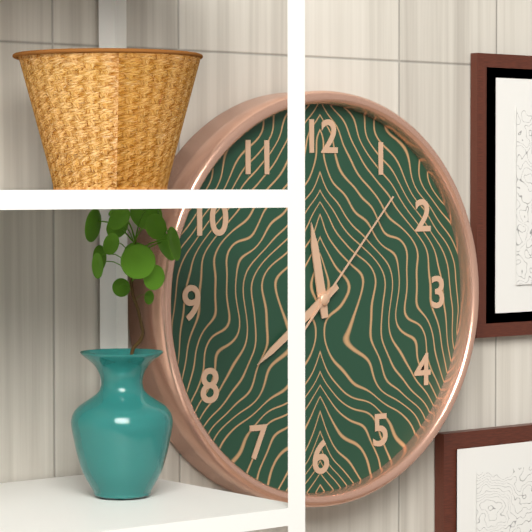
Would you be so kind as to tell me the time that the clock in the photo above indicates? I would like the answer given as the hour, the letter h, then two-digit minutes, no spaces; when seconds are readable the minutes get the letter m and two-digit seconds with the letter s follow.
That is 11h39m07s
